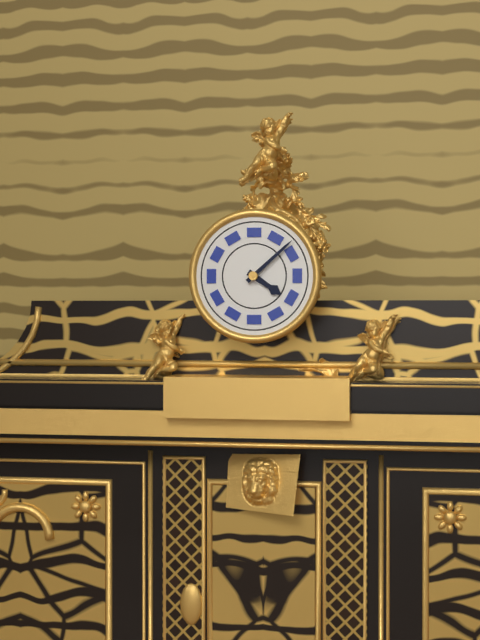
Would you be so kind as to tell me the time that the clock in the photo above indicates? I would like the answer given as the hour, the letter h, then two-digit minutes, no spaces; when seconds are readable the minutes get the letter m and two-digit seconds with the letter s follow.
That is 4h08
